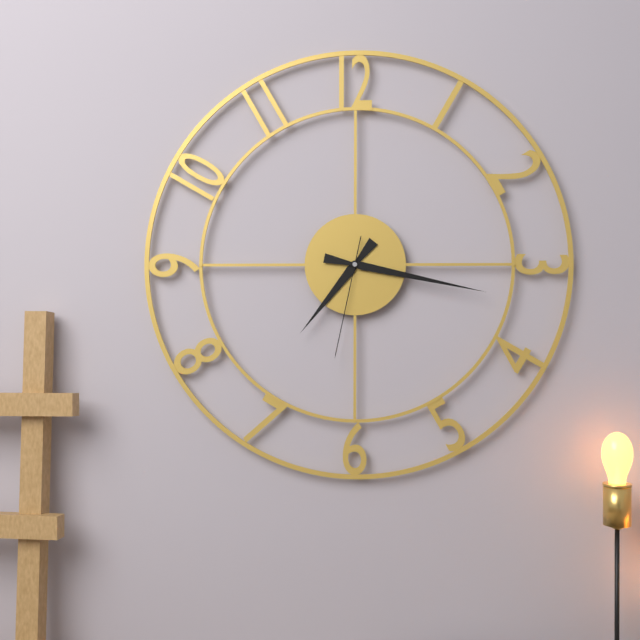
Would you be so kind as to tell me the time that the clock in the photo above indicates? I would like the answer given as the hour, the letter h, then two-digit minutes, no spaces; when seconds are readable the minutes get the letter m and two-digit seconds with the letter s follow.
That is 7h17m32s
